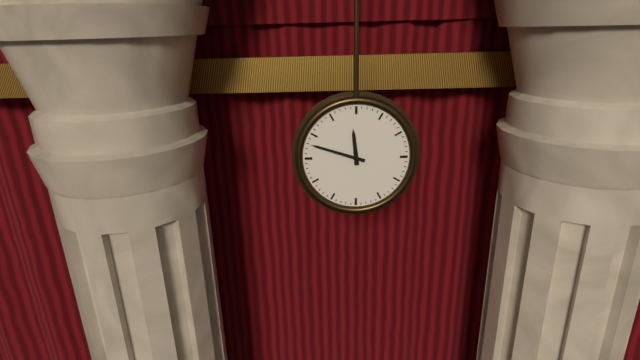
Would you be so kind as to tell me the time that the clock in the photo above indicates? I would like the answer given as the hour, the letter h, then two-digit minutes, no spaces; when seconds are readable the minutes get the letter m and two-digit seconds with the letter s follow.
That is 11h48
